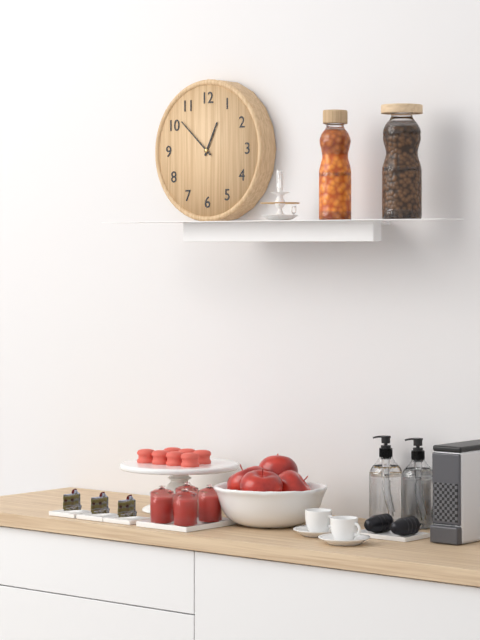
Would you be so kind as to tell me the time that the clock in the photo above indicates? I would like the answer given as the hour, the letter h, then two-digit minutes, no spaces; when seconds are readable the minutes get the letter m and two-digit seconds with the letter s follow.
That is 12h52
